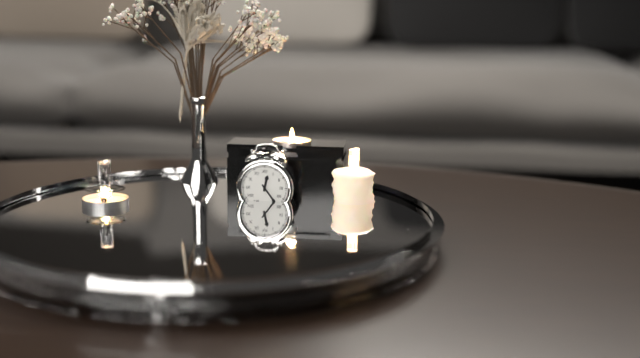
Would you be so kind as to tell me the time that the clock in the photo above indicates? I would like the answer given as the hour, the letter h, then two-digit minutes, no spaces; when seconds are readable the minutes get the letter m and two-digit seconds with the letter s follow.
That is 12h24
